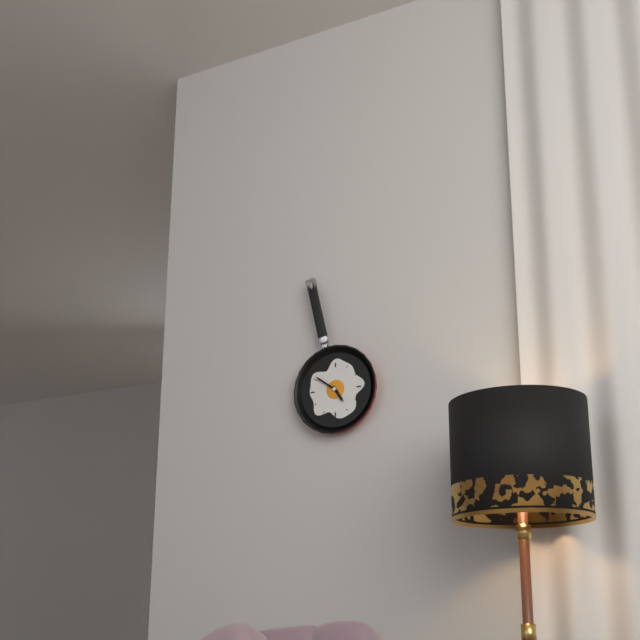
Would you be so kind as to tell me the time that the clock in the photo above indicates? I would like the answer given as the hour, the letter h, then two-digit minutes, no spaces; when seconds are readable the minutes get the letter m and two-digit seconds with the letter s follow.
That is 4h51
